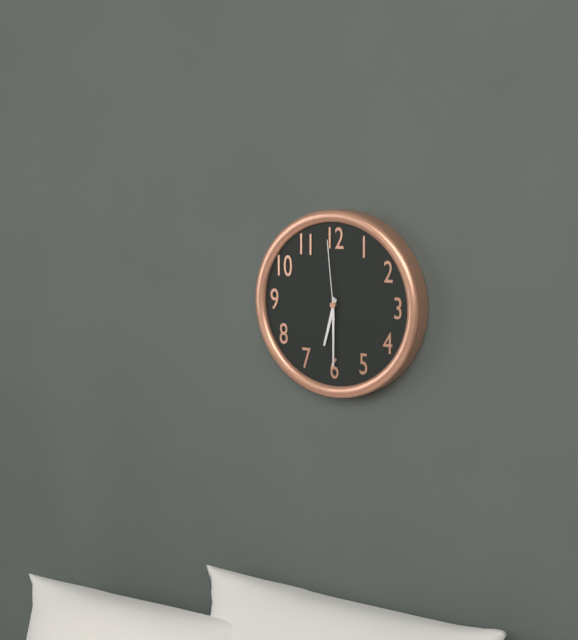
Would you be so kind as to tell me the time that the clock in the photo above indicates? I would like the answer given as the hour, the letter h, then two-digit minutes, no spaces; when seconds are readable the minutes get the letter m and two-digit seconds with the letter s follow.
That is 6h30m59s
